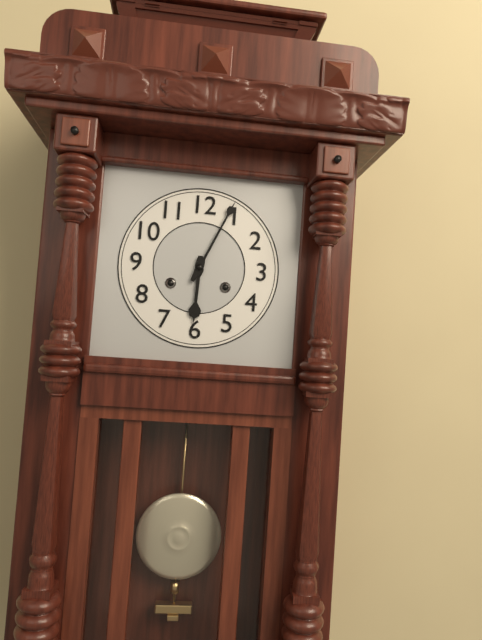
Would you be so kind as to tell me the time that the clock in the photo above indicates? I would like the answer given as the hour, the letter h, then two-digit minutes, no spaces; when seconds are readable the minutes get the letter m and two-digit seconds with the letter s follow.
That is 6h04
